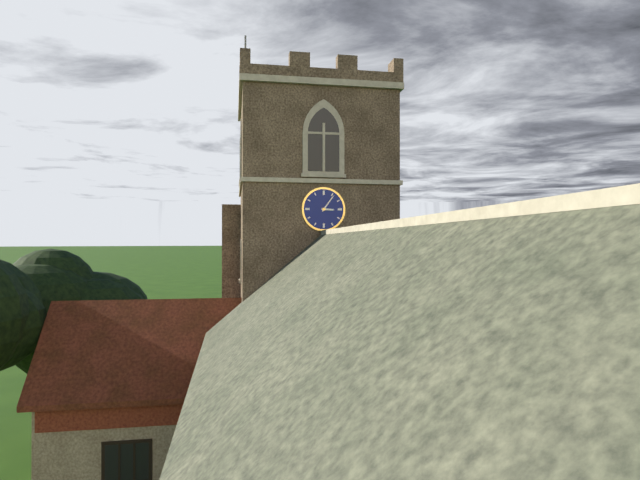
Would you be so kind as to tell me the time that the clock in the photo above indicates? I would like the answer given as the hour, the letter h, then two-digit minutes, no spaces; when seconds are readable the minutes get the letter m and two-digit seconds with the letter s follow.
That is 3h06
